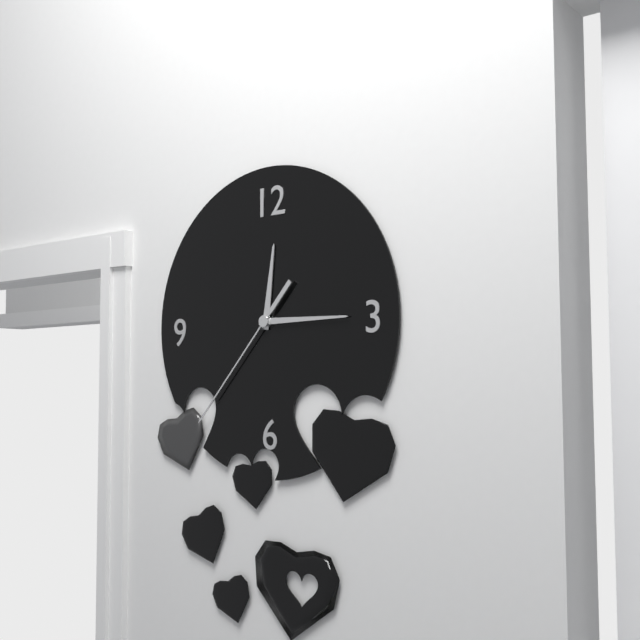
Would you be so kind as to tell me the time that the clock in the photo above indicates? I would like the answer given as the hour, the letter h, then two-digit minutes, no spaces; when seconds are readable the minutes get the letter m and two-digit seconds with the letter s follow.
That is 12h15m37s
